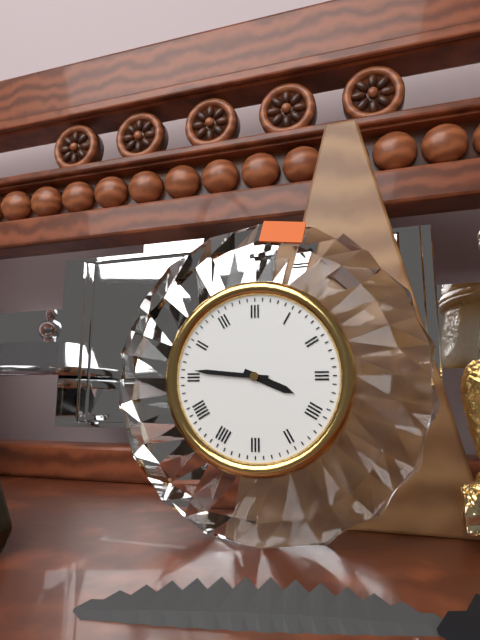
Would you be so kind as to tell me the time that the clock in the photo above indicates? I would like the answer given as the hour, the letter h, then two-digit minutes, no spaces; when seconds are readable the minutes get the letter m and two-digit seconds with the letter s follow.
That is 3h46
